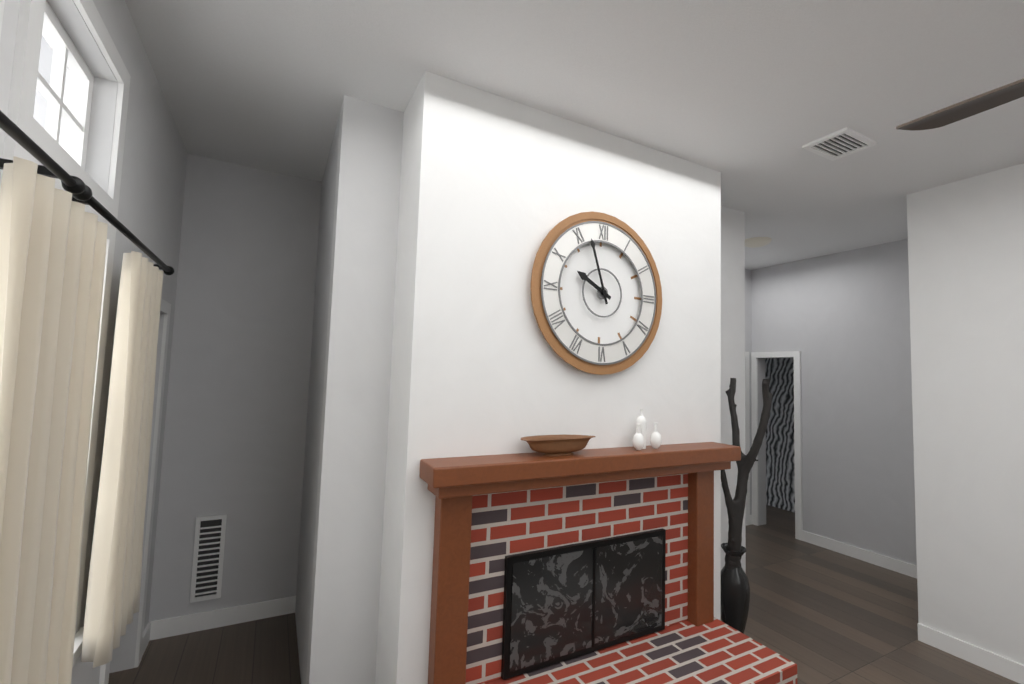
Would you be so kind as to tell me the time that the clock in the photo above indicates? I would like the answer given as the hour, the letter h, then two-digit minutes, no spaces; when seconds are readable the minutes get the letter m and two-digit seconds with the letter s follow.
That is 9h57
